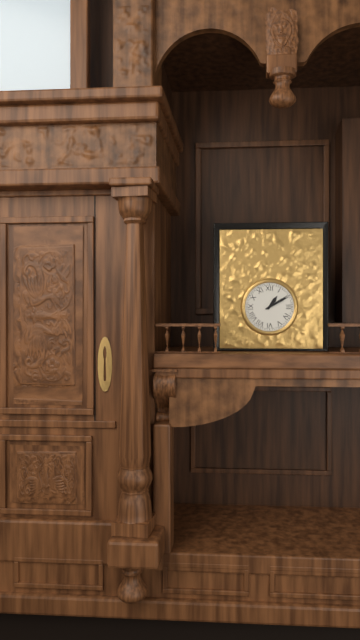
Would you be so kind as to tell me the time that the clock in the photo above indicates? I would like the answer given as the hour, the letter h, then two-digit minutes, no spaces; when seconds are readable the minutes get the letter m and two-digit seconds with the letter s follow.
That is 1h10
